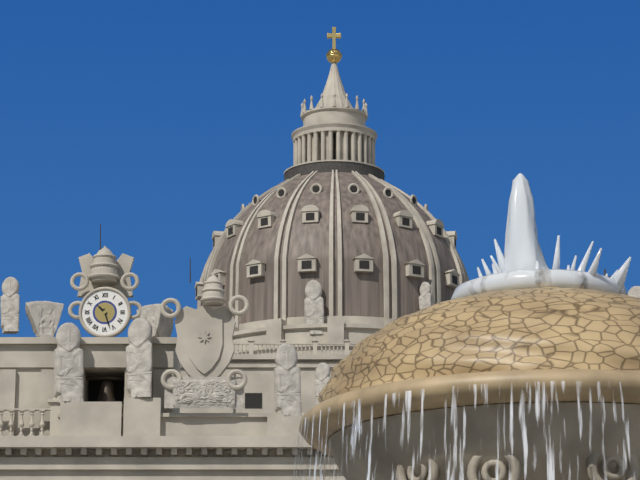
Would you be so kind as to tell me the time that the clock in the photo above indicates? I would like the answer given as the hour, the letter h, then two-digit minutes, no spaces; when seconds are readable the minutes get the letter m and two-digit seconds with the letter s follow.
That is 10h27
